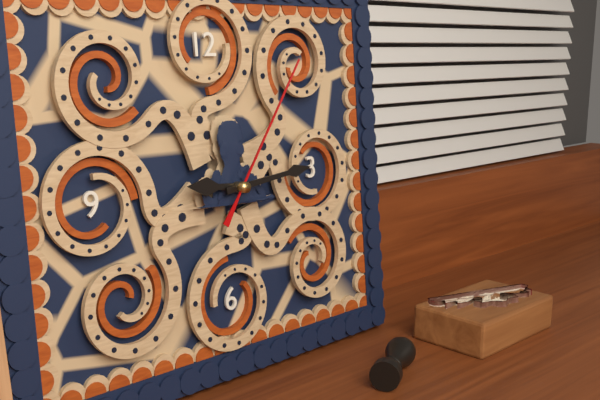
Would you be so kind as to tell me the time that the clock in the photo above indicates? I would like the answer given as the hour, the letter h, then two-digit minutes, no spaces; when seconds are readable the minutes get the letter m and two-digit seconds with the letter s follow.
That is 9h14m06s
